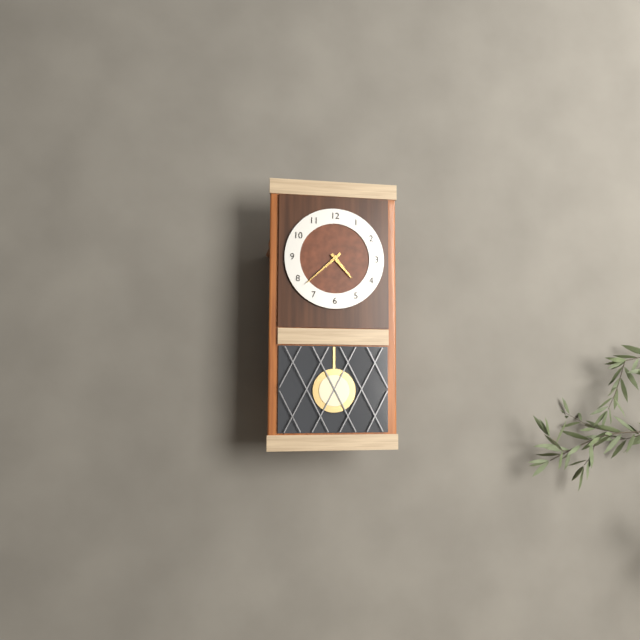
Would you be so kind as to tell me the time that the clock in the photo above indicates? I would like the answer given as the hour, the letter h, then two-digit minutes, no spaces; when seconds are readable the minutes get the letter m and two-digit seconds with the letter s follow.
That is 4h38
